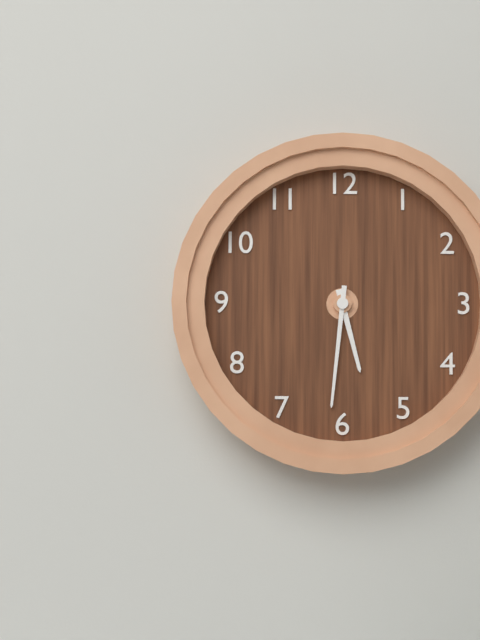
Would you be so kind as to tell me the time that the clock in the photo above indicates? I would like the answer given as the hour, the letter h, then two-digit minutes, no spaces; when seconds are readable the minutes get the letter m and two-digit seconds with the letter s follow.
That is 5h31
